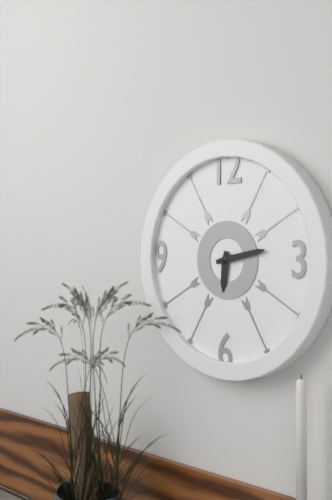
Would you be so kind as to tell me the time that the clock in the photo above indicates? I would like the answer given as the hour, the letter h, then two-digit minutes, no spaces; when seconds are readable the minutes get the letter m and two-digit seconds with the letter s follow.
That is 6h13
